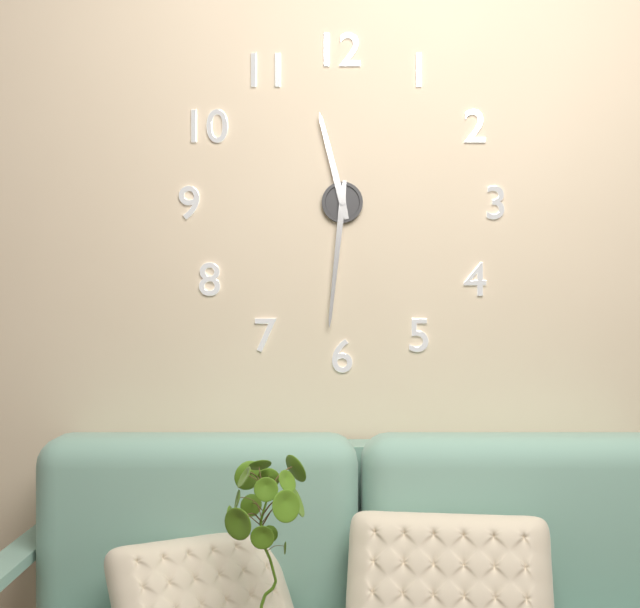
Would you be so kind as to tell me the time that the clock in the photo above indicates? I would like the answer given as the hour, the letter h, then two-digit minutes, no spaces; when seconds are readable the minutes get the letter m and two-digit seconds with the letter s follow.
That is 11h31
